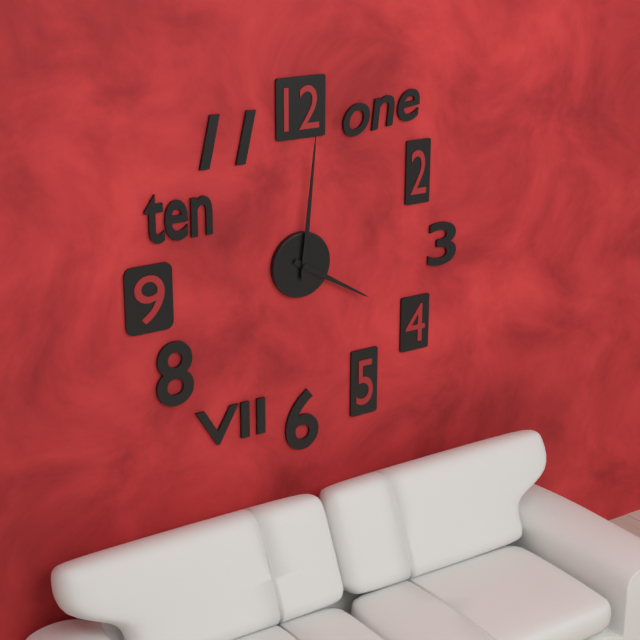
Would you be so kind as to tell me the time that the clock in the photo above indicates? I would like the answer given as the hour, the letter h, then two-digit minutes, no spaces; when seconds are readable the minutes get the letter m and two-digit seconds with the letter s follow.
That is 4h01
